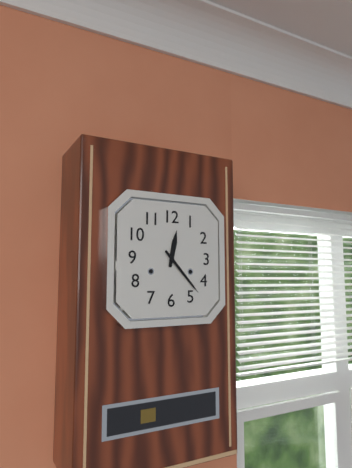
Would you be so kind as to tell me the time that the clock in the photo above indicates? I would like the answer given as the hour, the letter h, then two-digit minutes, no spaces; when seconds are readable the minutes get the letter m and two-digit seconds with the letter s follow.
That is 12h23
